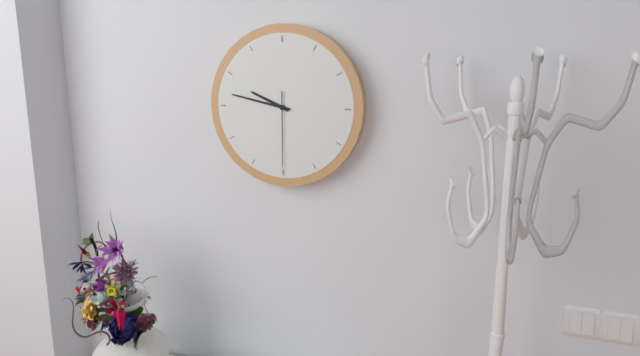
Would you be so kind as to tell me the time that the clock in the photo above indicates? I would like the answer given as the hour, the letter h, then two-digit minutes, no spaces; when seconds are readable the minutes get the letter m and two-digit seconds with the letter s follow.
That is 9h47m30s
